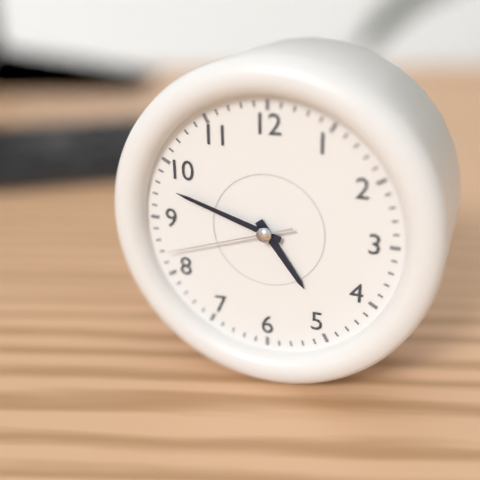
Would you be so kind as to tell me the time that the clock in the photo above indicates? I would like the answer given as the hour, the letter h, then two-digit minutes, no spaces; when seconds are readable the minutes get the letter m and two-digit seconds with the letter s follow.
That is 4h48m42s
